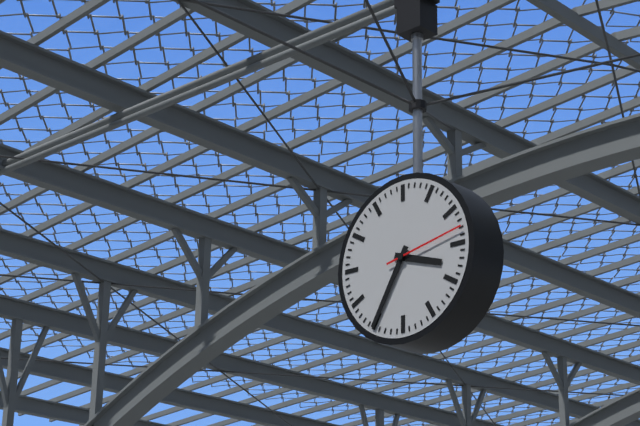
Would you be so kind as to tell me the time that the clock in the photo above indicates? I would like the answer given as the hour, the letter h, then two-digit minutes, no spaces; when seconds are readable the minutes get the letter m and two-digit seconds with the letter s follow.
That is 3h35m13s
